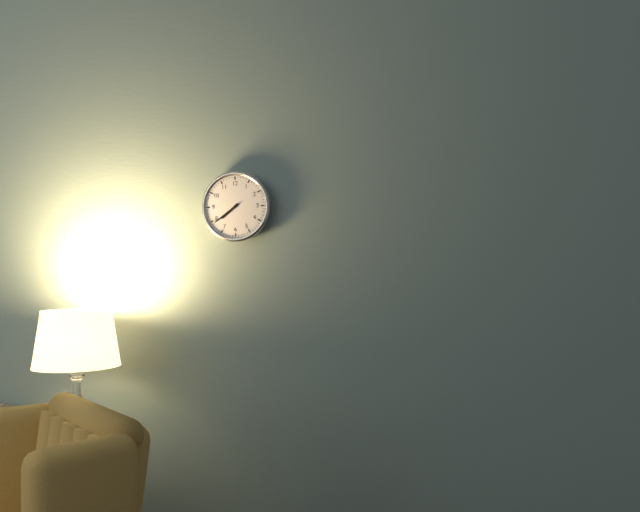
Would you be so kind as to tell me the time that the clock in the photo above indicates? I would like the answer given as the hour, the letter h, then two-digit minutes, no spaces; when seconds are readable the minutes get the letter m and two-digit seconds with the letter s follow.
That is 7h39
